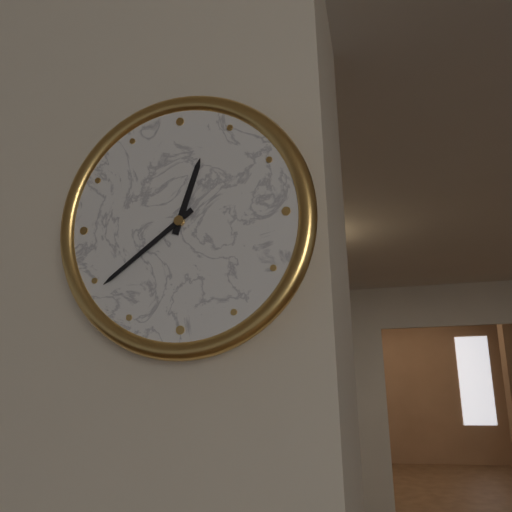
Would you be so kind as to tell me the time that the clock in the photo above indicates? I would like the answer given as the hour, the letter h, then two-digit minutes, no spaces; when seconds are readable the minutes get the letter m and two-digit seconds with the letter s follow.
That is 12h39
